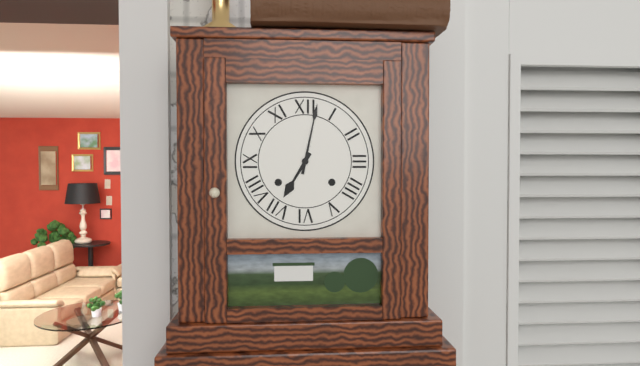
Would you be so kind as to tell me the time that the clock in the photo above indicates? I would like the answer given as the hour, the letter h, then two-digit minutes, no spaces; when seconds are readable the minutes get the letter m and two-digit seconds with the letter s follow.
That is 7h02
